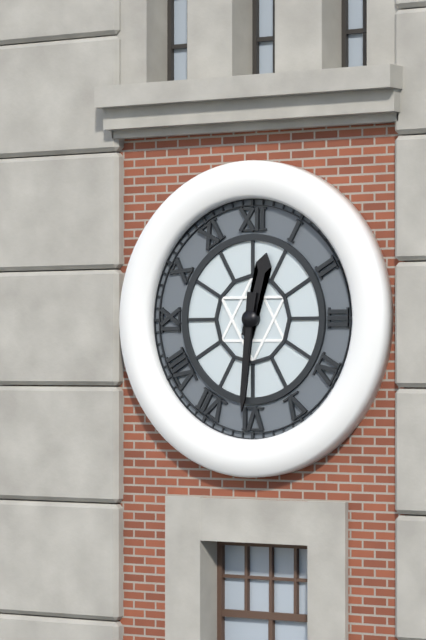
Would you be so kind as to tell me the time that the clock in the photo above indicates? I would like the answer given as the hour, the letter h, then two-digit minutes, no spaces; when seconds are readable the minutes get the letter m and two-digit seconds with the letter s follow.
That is 12h31
